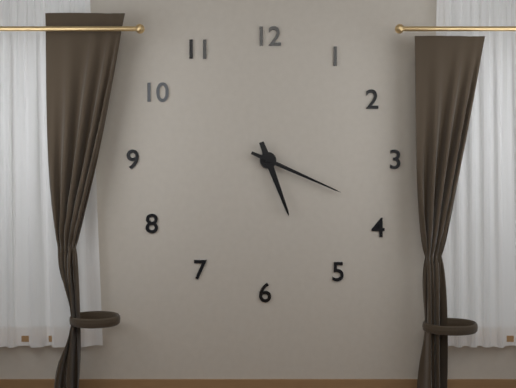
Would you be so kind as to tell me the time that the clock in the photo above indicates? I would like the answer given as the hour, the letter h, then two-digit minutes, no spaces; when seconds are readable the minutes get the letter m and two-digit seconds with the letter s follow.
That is 5h19
